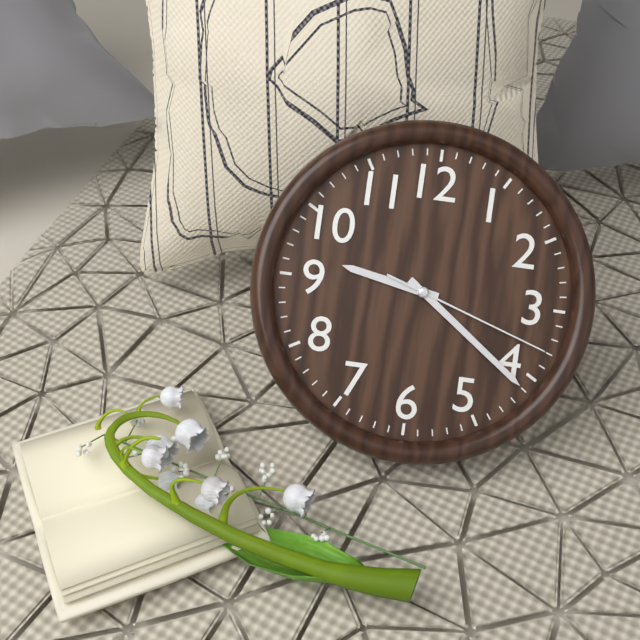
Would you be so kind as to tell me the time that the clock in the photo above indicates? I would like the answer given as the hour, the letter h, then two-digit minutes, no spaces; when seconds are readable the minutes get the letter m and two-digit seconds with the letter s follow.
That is 9h21m18s
